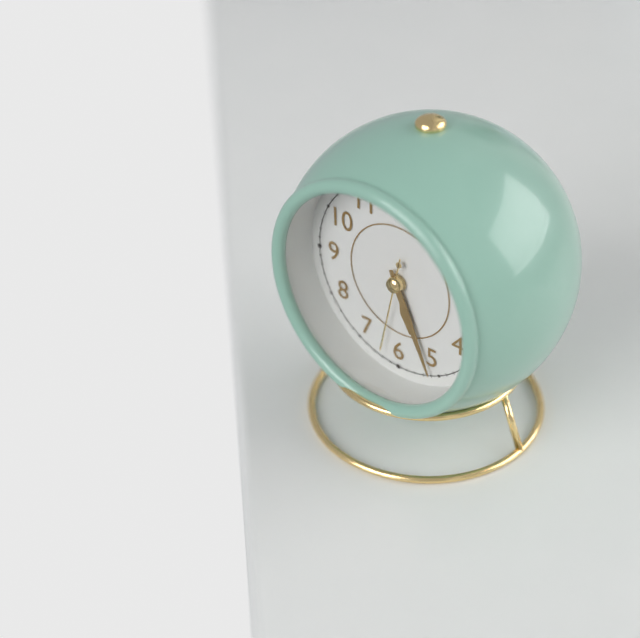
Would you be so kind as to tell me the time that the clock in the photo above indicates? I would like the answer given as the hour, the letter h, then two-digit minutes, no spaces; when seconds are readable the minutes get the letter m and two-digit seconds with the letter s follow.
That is 5h26m32s
